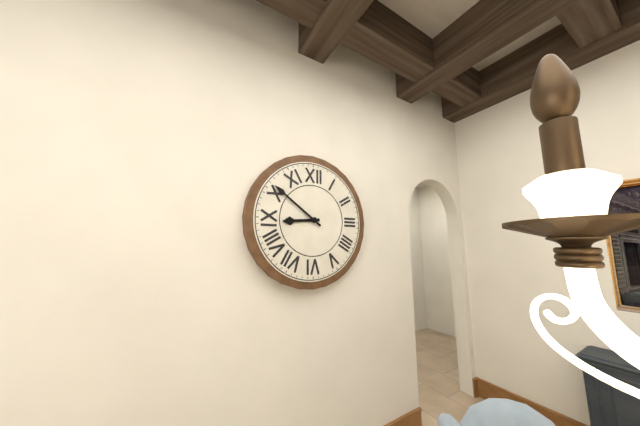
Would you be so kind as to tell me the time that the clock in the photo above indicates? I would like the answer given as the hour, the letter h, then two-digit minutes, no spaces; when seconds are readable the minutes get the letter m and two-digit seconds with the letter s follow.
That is 8h51
